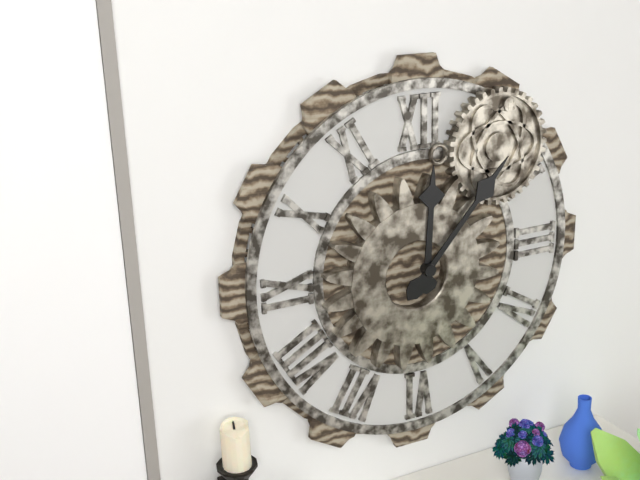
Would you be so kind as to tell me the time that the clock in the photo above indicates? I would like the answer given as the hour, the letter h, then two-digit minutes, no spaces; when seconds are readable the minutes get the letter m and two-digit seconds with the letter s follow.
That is 12h07
